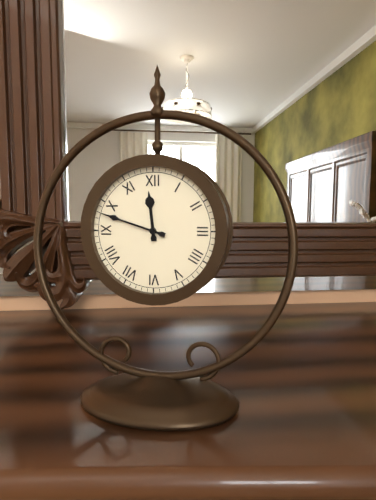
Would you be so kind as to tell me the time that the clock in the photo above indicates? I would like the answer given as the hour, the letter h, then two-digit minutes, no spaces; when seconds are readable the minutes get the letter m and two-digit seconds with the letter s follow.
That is 11h48
